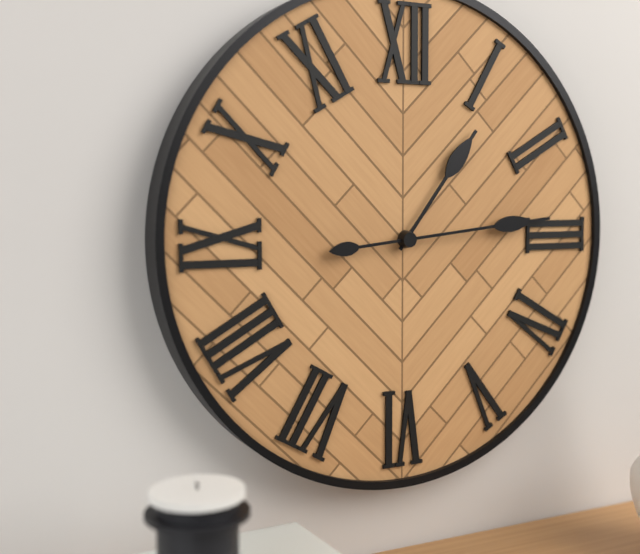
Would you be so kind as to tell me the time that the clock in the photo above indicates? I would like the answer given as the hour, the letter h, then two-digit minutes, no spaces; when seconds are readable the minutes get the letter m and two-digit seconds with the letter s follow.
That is 1h14
